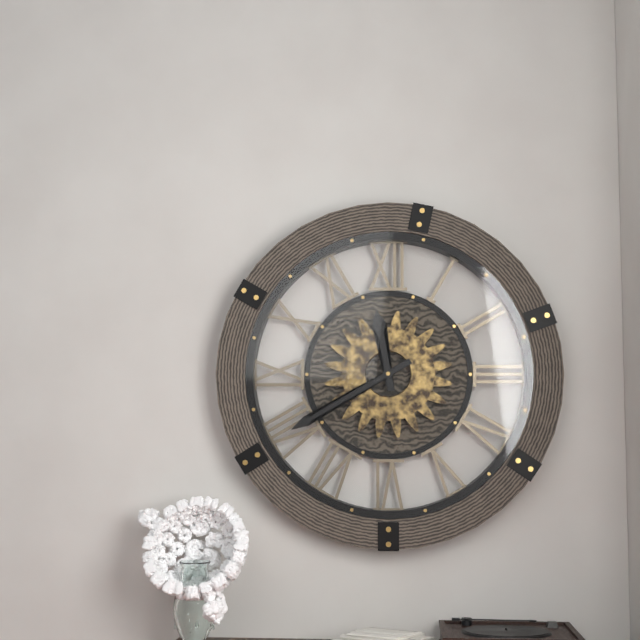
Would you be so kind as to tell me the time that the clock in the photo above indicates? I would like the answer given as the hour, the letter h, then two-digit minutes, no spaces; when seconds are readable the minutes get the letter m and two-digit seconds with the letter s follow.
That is 11h40
